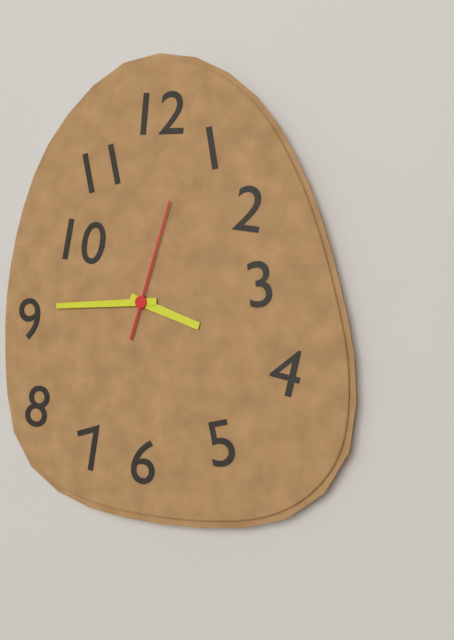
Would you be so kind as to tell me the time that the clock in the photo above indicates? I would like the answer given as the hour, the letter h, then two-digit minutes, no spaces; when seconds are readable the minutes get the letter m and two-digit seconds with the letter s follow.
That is 3h45m03s
